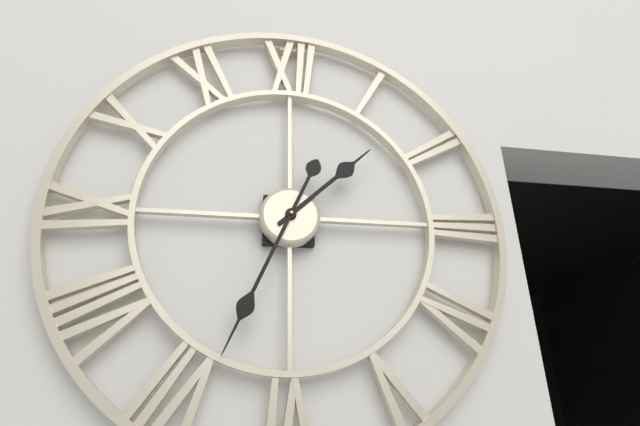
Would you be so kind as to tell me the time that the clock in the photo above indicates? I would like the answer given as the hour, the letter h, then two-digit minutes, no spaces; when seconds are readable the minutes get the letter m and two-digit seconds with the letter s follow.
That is 1h34
